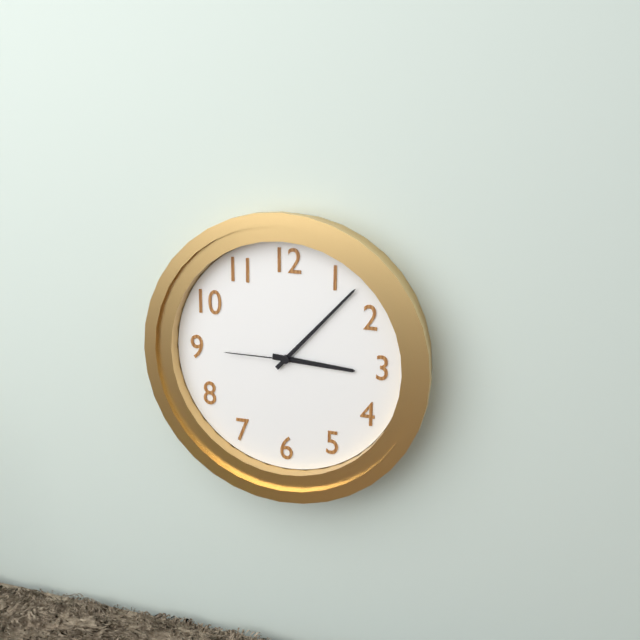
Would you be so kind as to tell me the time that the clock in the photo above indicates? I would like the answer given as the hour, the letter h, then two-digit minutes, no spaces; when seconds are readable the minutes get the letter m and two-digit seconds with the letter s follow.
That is 3h07m45s
